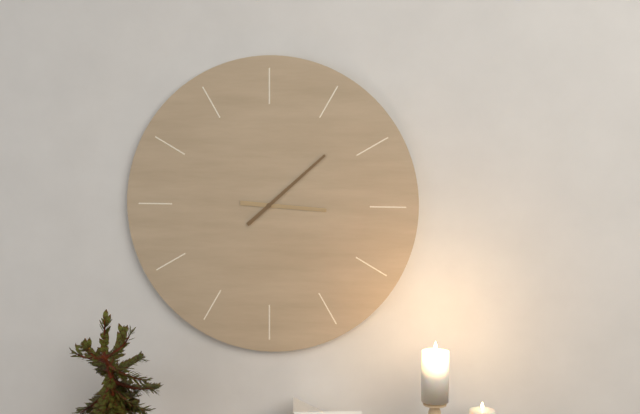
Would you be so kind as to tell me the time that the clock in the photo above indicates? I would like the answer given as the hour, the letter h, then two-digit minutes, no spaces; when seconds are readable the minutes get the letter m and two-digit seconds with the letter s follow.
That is 3h08
